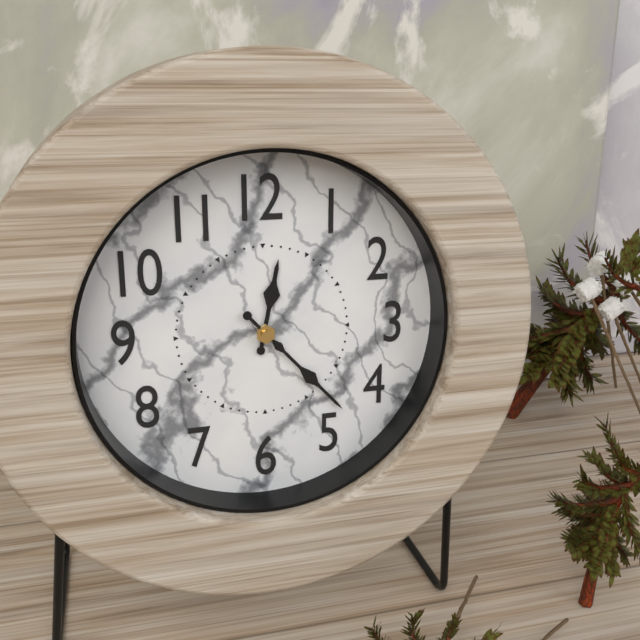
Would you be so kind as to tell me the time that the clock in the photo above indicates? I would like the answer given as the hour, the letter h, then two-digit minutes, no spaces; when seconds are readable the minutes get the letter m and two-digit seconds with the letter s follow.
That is 12h23
